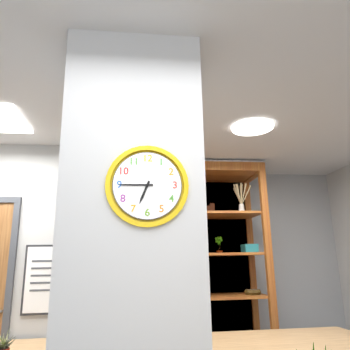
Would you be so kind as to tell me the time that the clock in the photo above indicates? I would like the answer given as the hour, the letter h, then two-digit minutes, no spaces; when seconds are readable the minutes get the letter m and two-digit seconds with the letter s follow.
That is 6h45
